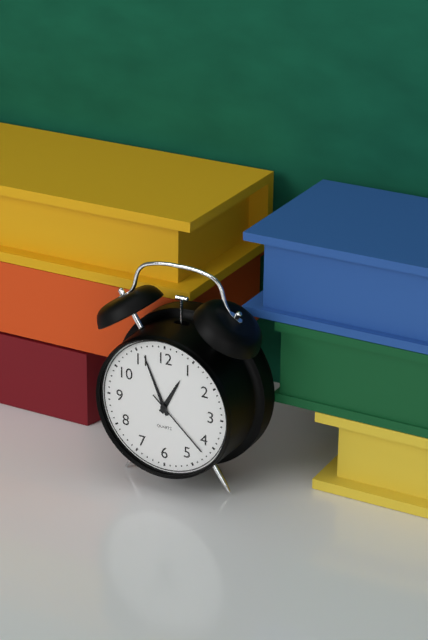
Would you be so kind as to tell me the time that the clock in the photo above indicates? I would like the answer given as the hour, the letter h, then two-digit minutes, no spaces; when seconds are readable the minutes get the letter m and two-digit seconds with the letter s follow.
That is 12h56m22s
